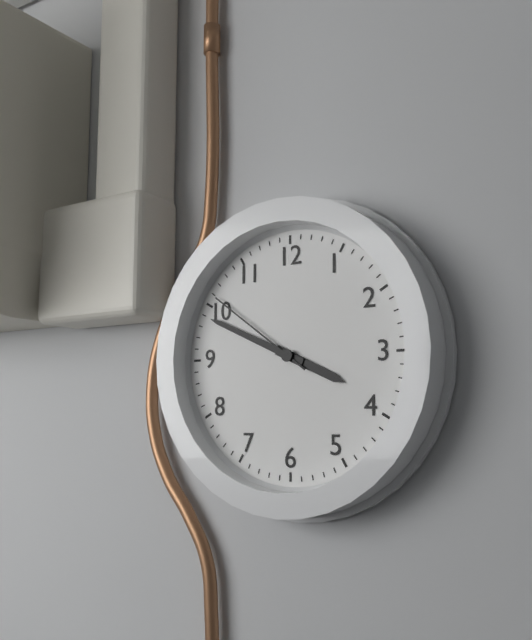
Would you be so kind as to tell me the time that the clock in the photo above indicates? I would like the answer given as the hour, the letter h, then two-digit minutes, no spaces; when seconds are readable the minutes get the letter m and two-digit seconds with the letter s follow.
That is 3h49m51s
